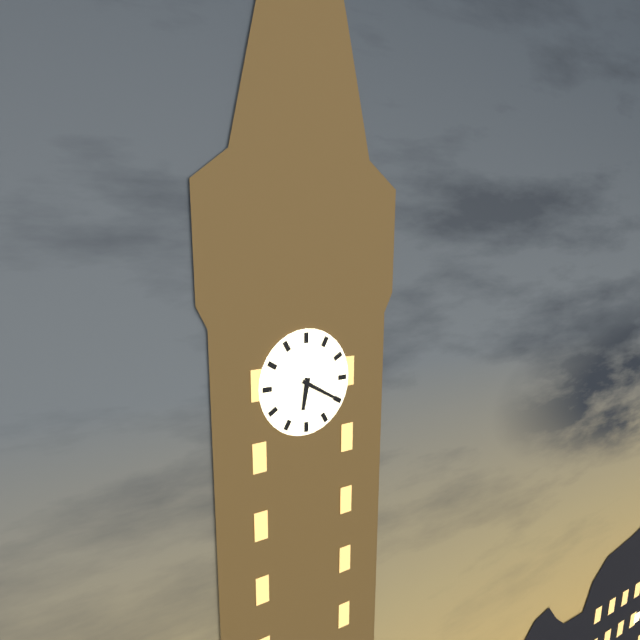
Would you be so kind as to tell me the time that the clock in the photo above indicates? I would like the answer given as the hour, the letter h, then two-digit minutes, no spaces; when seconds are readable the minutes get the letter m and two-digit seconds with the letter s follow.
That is 6h20
